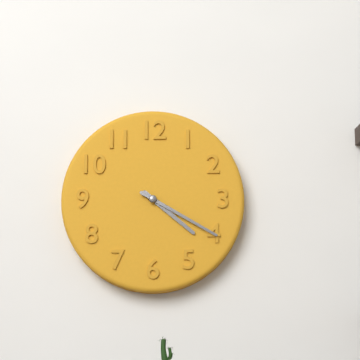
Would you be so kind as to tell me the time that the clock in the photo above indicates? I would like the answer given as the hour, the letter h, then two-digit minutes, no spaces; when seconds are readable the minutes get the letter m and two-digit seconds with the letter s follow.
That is 4h20
